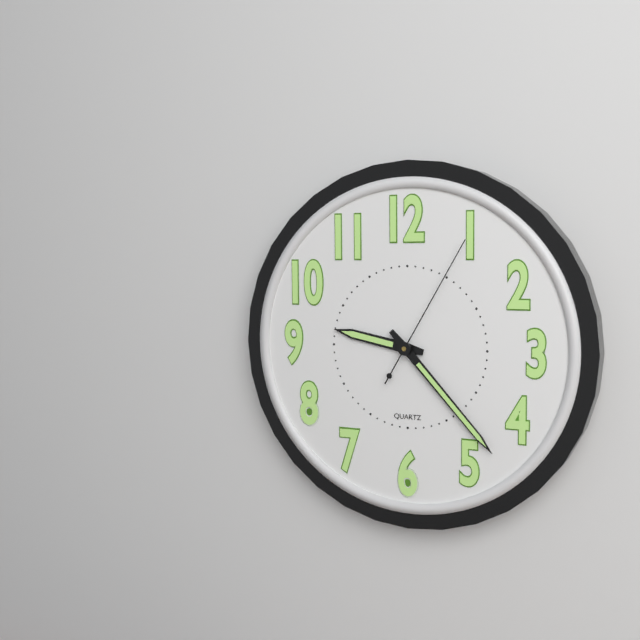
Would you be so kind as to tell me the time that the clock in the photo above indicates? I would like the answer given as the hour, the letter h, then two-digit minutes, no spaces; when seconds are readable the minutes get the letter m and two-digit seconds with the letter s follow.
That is 9h23m05s
